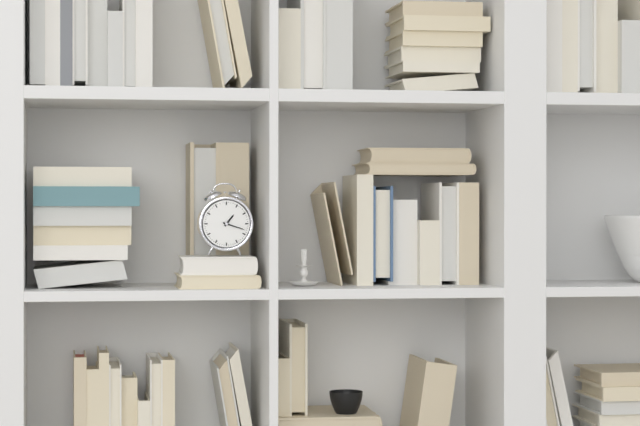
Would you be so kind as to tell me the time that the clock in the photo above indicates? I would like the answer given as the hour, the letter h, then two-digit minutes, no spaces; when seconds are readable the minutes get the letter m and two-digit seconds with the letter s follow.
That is 1h18
